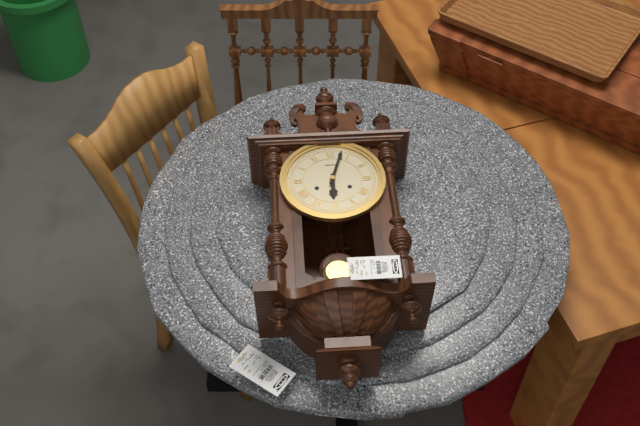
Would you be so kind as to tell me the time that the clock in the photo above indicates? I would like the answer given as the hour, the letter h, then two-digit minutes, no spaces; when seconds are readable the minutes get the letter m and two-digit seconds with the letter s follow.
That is 6h03
